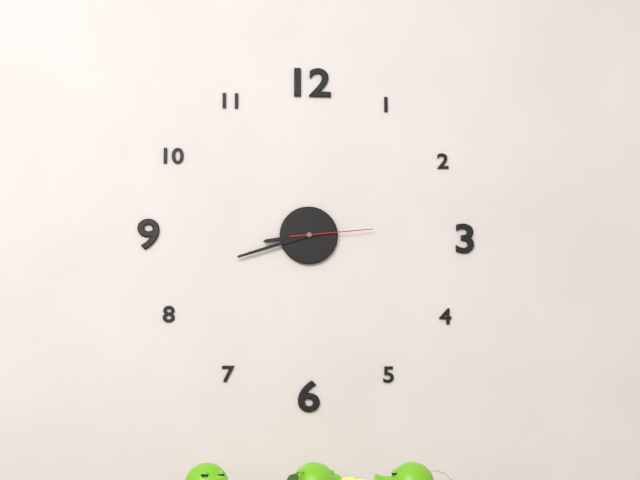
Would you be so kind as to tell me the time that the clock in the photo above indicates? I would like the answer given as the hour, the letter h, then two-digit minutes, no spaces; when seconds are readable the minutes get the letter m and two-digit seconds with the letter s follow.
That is 8h42m14s
